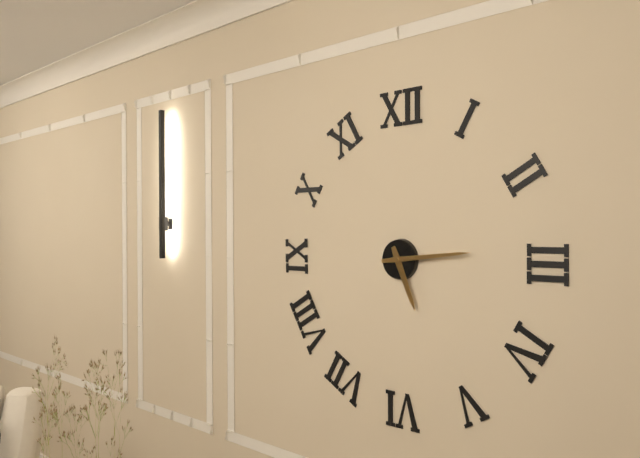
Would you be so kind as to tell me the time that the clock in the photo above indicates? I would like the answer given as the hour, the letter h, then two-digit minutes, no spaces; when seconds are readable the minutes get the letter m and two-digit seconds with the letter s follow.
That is 5h14
